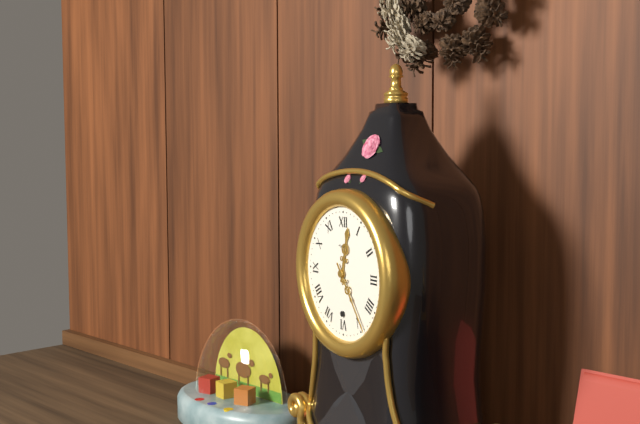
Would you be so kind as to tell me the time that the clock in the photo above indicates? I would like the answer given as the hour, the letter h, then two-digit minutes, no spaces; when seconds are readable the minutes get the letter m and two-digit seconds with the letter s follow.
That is 12h24
